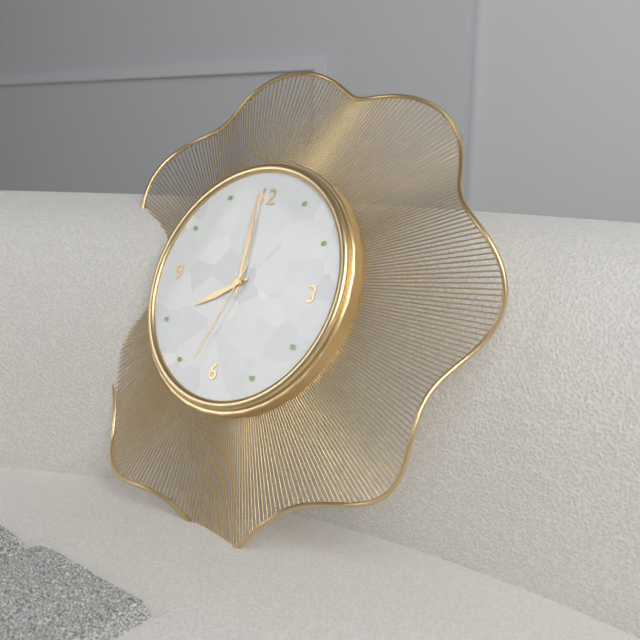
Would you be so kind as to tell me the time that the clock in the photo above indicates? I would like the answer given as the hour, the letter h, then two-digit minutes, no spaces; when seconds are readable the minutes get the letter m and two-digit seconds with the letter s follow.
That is 7h59m33s
